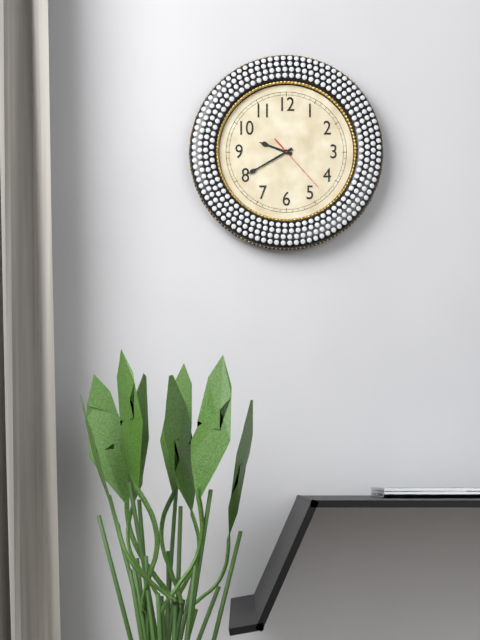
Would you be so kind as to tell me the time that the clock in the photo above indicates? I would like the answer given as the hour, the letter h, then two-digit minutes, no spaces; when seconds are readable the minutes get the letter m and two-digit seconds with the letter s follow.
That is 9h40m23s
